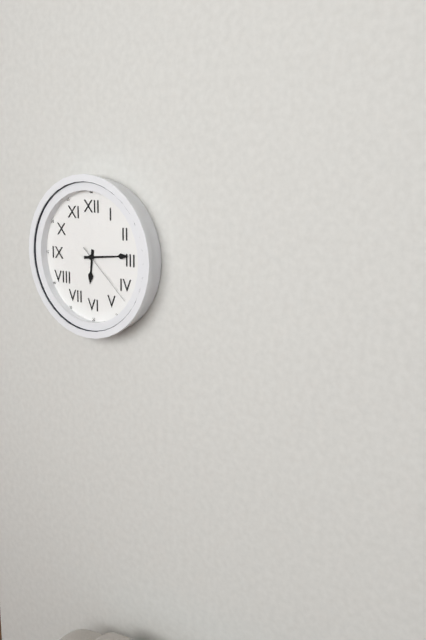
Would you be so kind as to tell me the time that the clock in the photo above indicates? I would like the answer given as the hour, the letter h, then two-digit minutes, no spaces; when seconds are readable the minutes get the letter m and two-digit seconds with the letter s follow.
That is 6h14m22s
